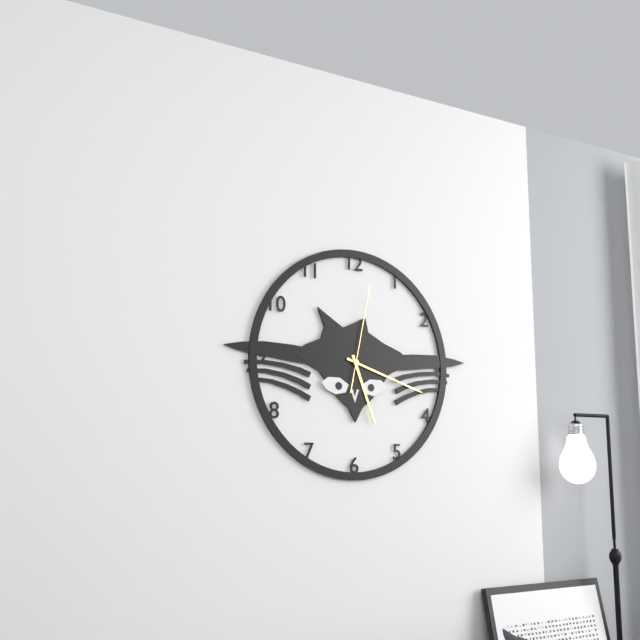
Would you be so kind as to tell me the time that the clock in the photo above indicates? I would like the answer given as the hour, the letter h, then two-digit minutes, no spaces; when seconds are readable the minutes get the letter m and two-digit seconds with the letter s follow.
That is 5h18m02s
